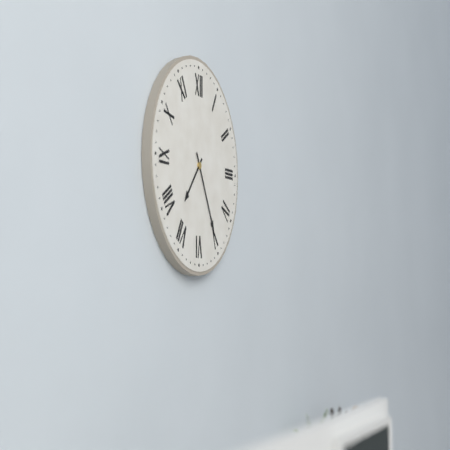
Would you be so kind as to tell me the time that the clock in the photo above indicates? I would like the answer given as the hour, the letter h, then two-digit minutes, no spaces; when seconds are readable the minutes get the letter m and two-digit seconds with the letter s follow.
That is 7h25
